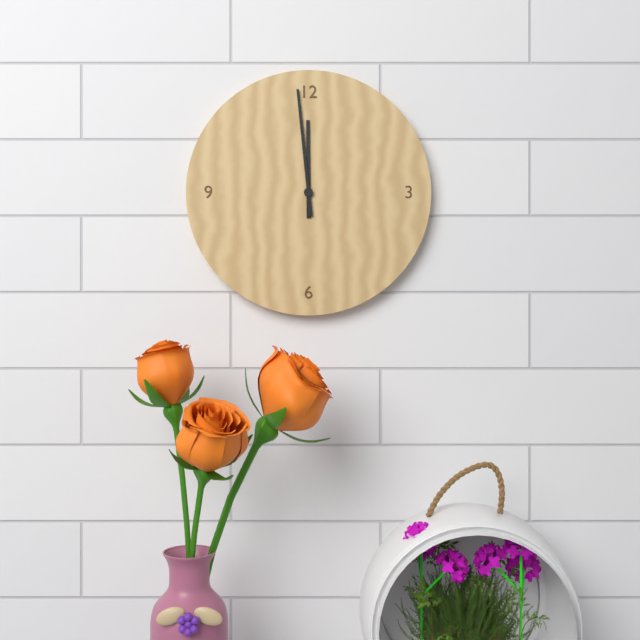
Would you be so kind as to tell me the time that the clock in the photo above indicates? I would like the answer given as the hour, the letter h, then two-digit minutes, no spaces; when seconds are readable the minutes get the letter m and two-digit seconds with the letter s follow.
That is 11h59
